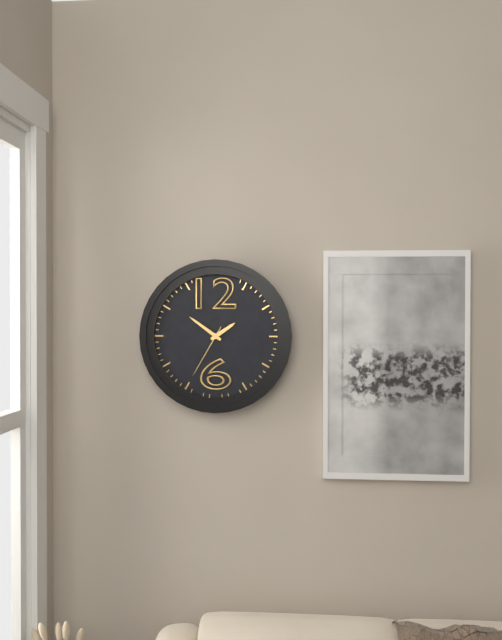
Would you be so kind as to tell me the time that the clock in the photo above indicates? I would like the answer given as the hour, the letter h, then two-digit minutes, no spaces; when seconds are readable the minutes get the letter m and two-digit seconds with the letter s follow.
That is 1h51m35s
